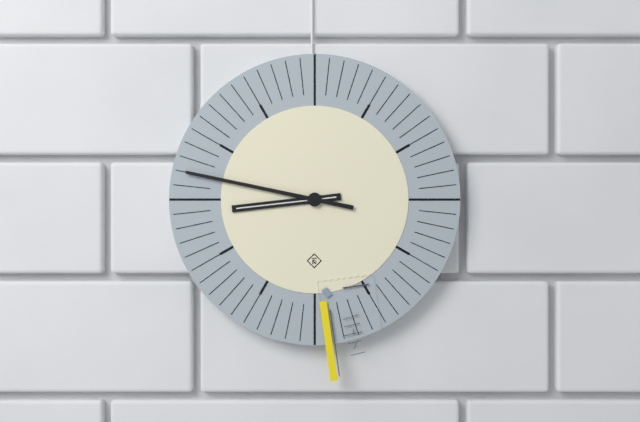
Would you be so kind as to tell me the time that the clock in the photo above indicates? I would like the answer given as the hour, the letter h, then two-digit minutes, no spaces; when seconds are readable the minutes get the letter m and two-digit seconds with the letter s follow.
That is 8h47
